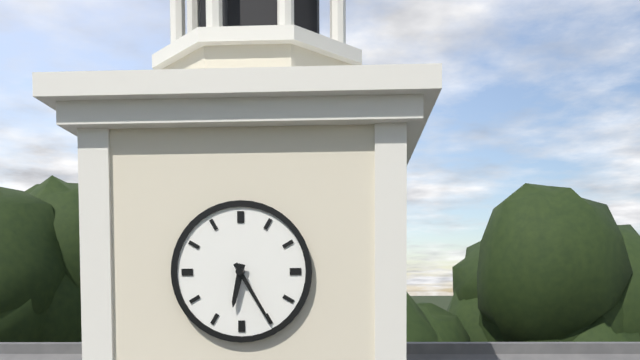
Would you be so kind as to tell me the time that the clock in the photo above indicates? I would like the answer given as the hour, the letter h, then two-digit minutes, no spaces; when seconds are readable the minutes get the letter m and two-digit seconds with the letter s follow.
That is 6h25
